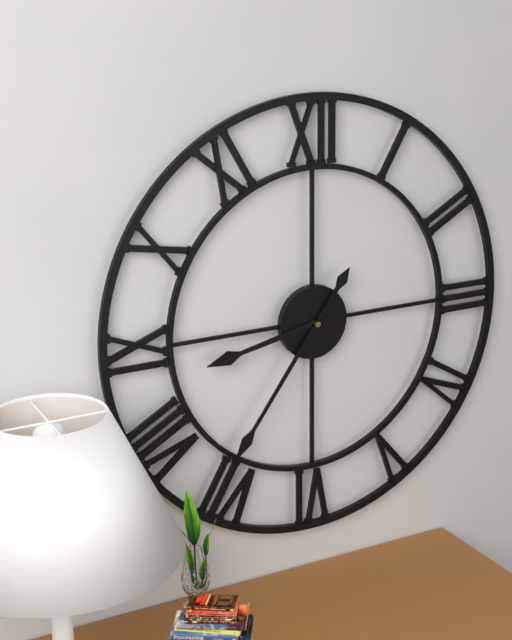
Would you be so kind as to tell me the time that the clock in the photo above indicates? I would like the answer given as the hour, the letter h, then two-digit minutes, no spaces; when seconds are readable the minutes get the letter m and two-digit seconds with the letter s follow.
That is 8h36
